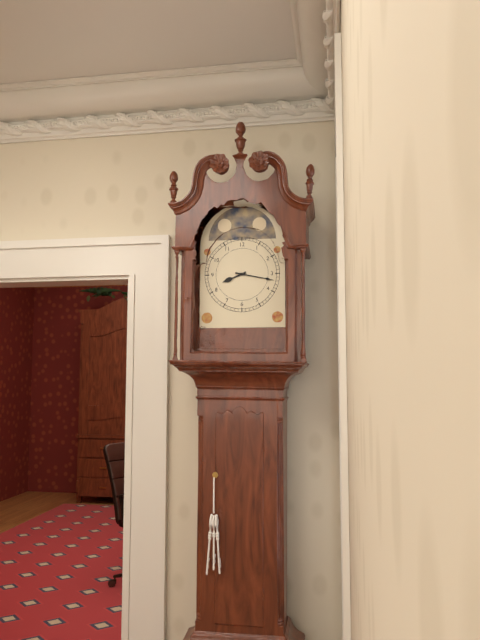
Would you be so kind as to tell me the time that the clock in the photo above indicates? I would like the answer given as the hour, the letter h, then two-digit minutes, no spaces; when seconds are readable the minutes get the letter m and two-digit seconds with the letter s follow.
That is 8h17
